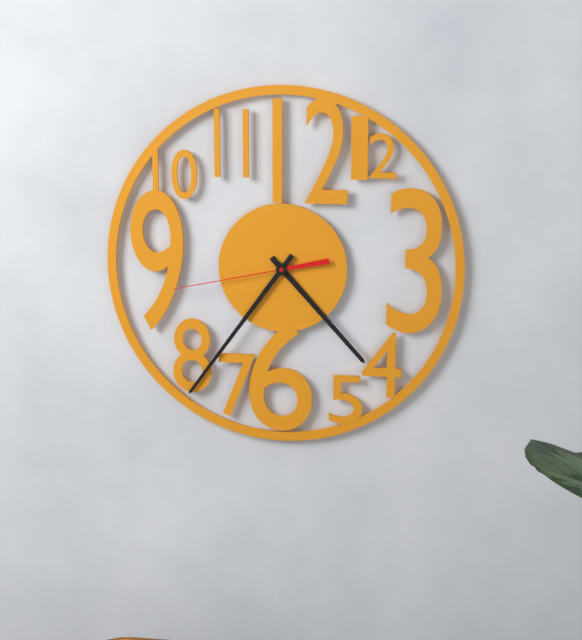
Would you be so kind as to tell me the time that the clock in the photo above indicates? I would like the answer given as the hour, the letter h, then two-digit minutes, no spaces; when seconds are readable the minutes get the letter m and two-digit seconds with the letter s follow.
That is 4h36m43s
